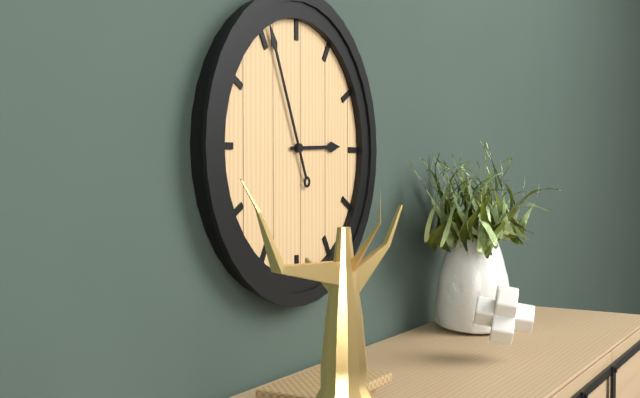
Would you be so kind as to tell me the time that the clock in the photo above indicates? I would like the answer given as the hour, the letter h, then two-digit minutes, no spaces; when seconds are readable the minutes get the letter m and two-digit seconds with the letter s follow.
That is 2h56
